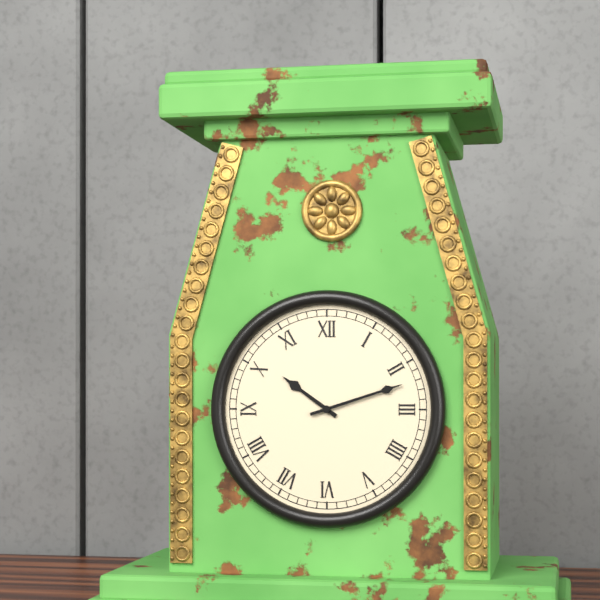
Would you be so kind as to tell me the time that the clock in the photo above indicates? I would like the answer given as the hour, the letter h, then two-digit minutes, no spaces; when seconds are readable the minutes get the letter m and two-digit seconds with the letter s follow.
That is 10h12
